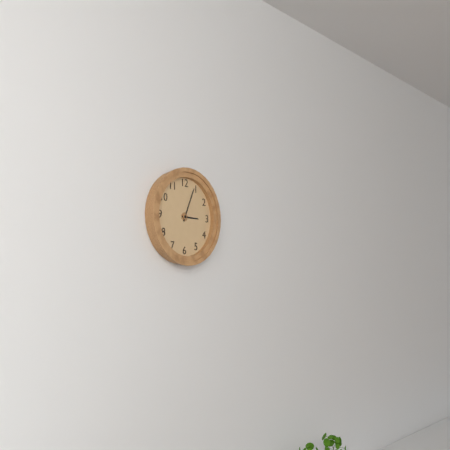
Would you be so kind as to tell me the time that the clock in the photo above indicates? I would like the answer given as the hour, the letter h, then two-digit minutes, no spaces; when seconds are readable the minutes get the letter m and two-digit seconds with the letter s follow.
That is 3h04
